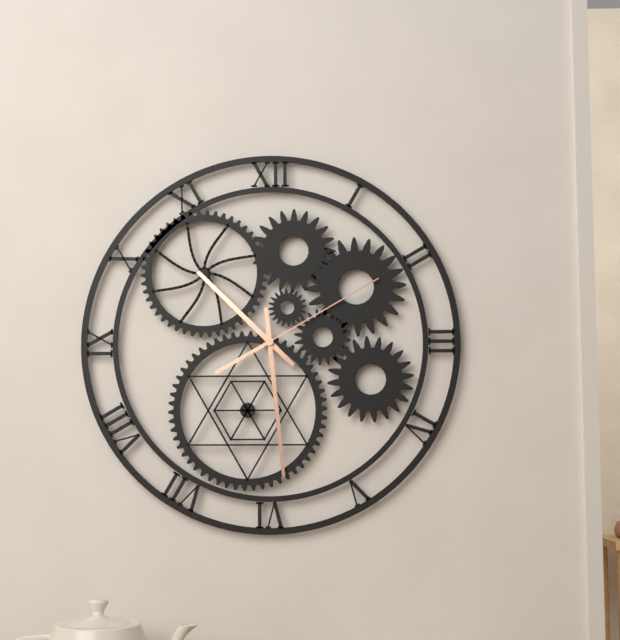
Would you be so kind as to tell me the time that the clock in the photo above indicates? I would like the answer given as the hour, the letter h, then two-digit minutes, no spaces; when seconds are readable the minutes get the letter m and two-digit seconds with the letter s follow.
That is 10h29m10s
